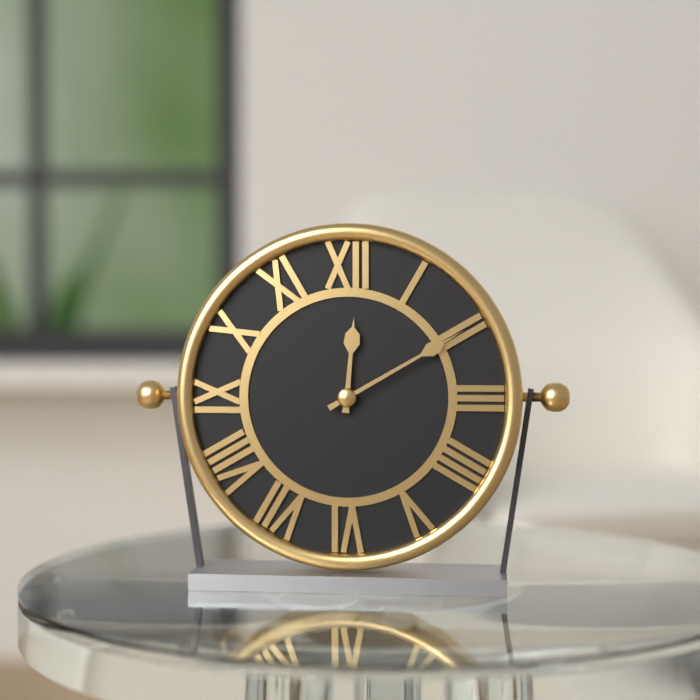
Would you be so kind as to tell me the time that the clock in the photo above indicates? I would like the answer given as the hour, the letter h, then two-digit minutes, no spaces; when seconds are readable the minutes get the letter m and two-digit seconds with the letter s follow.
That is 12h10
